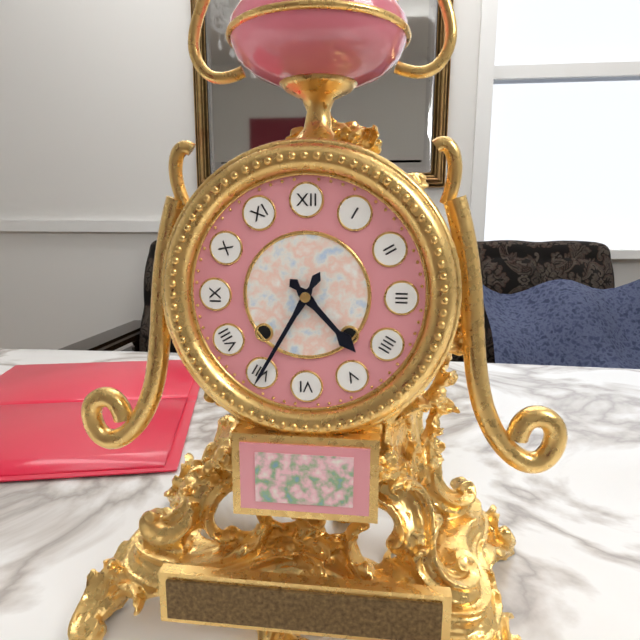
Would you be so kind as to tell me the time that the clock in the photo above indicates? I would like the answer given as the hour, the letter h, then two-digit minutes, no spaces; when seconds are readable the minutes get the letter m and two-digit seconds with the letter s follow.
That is 4h35
